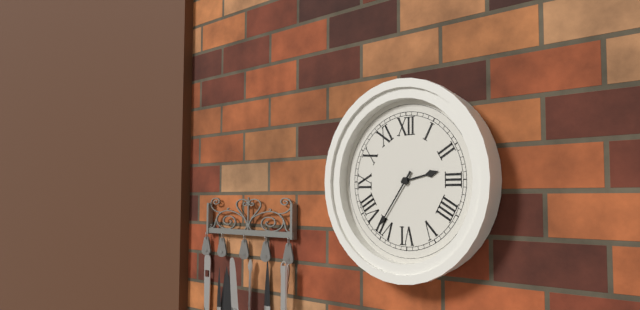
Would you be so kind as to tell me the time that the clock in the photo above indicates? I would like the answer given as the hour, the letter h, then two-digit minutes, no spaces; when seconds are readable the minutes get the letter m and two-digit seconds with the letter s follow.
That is 2h36
